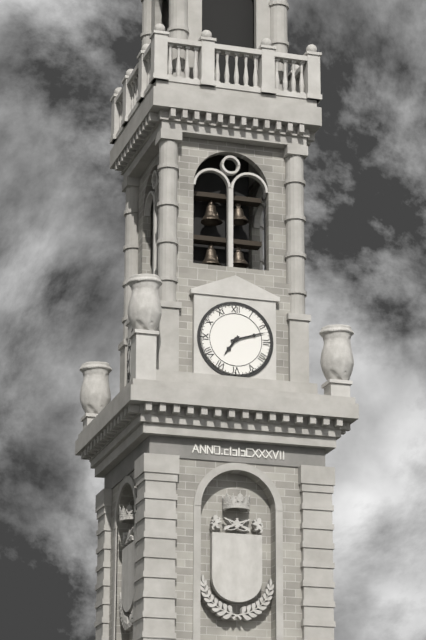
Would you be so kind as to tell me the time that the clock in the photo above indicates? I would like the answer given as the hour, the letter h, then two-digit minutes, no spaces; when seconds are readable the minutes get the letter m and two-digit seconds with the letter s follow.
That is 7h12
